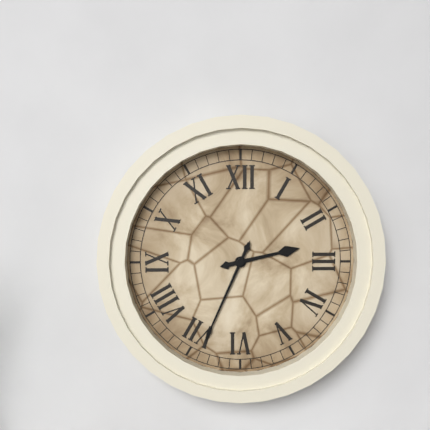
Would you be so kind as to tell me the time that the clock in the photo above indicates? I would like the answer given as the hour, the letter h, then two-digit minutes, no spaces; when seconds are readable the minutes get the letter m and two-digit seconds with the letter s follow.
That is 2h34
